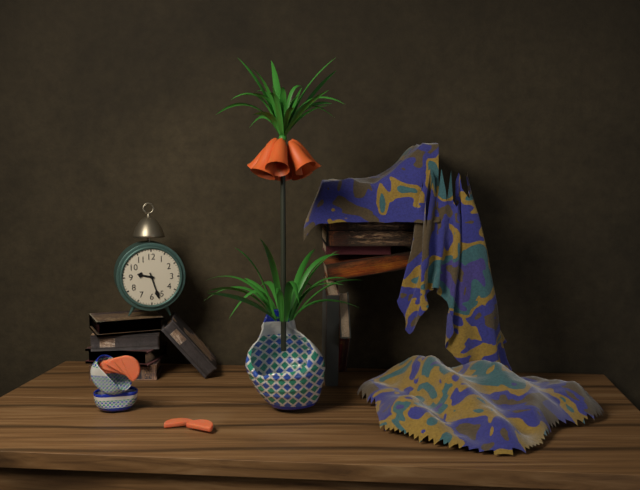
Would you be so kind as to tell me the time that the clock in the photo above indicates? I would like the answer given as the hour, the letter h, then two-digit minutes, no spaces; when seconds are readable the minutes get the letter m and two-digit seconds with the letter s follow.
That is 9h27
